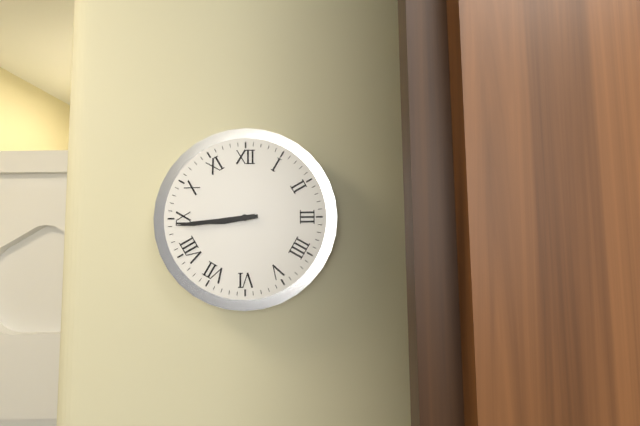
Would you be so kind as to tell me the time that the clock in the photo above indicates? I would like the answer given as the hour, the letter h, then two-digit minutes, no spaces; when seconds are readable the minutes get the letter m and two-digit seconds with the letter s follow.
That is 8h44
